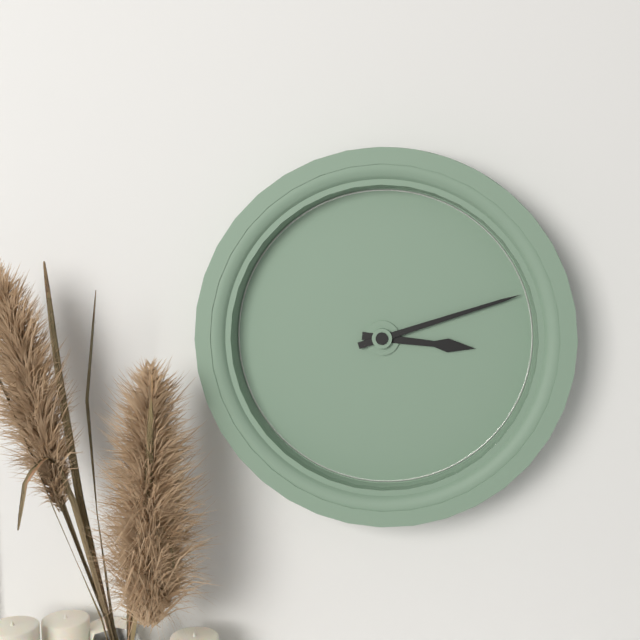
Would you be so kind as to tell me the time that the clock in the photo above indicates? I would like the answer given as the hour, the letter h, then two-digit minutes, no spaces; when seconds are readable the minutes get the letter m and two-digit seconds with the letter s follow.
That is 3h12
